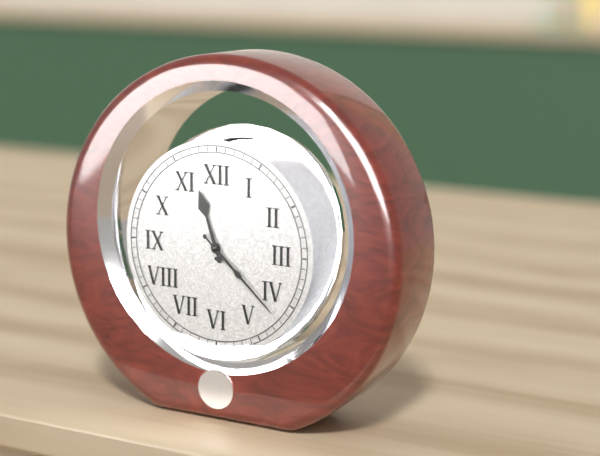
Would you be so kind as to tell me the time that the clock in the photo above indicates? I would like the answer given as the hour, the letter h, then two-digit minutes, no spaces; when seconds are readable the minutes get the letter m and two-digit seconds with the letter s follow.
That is 11h22
